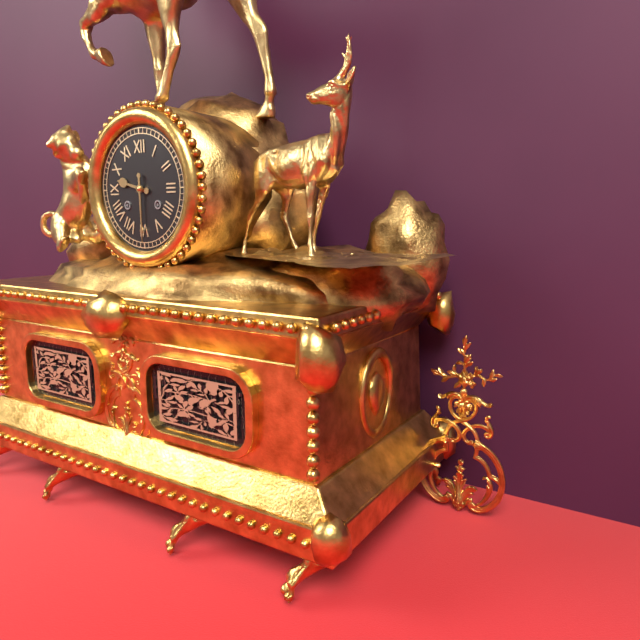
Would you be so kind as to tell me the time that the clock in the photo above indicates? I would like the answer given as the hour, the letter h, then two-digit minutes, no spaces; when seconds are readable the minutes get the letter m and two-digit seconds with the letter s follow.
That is 9h30
